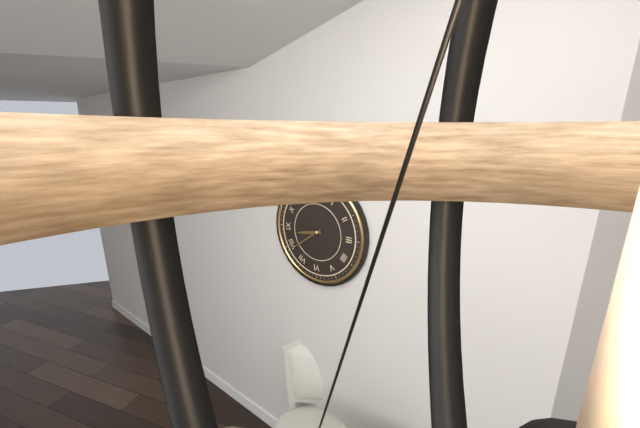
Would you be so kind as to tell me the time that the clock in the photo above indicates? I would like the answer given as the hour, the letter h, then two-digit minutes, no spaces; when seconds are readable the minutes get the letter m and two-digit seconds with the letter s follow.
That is 8h39
